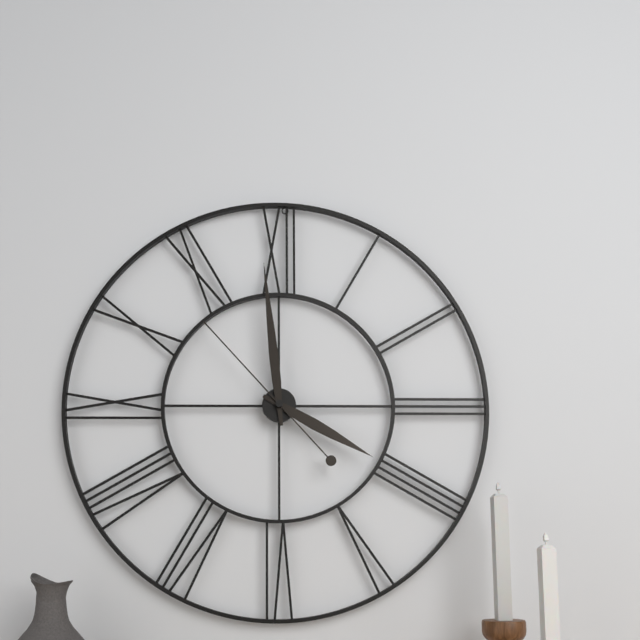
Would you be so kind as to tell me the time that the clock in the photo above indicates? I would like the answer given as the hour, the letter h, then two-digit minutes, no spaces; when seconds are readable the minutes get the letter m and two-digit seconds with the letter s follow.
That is 3h59m53s
